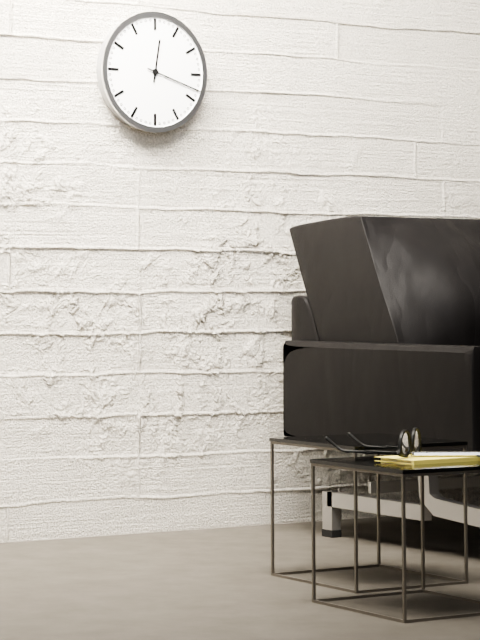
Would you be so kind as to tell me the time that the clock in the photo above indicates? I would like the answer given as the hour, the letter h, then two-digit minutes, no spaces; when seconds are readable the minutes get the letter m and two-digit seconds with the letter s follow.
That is 12h18
